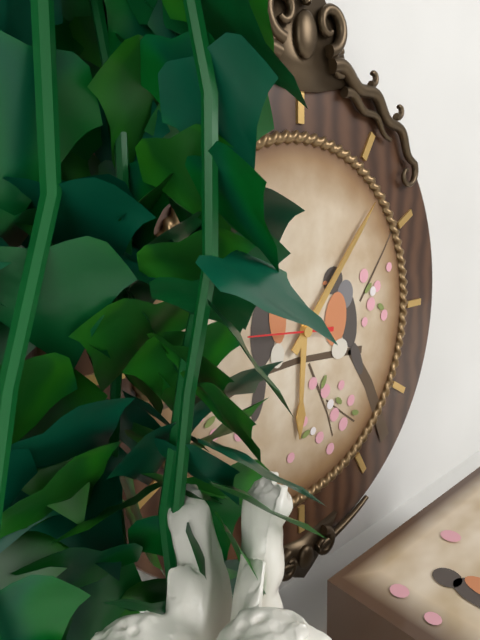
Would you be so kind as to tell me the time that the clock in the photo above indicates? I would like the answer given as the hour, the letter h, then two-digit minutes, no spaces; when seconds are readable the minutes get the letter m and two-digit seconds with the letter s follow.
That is 6h07m46s
